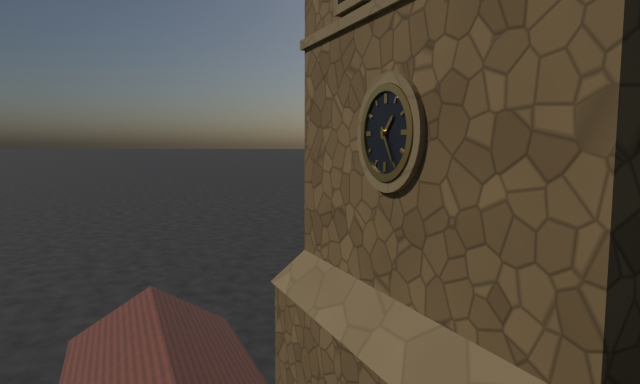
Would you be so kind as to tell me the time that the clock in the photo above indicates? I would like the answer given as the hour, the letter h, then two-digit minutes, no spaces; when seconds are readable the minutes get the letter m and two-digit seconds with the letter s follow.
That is 1h25
